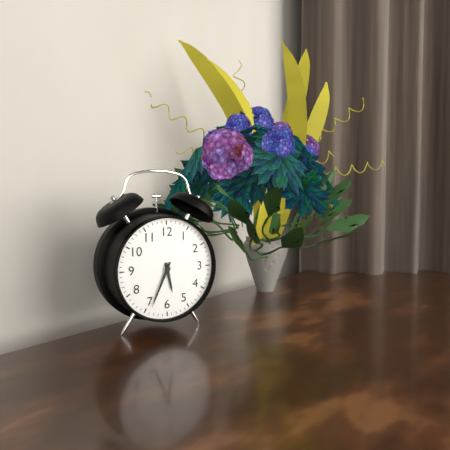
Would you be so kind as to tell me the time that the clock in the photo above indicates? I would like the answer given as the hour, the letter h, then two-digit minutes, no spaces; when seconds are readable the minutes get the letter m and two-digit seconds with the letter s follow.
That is 5h34
